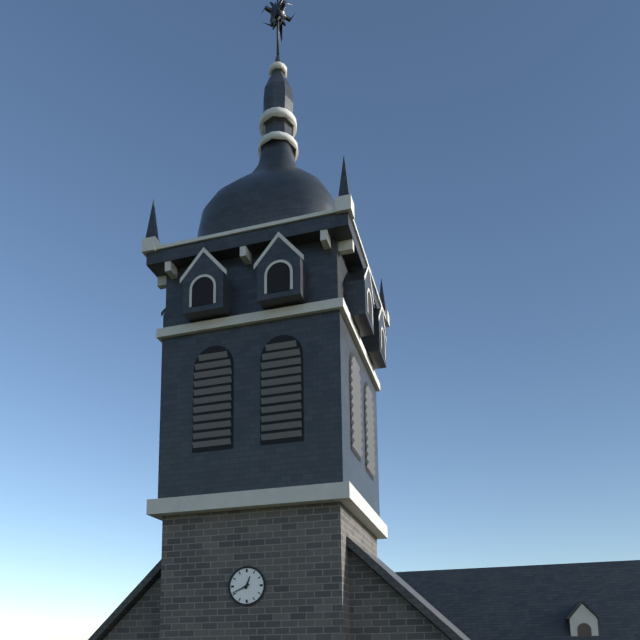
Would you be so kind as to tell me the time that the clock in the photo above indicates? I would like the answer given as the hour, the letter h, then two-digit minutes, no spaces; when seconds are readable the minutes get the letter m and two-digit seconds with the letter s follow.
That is 12h41
